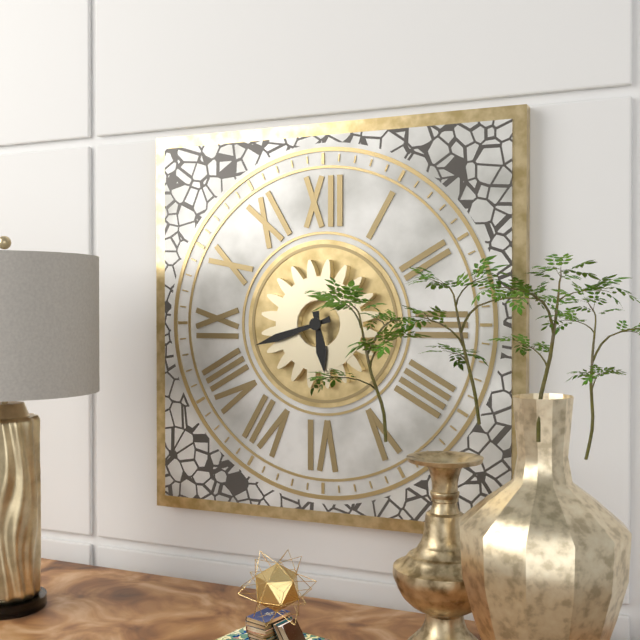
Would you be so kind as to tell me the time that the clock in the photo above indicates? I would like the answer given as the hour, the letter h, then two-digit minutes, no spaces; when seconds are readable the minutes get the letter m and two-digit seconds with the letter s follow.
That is 5h42
